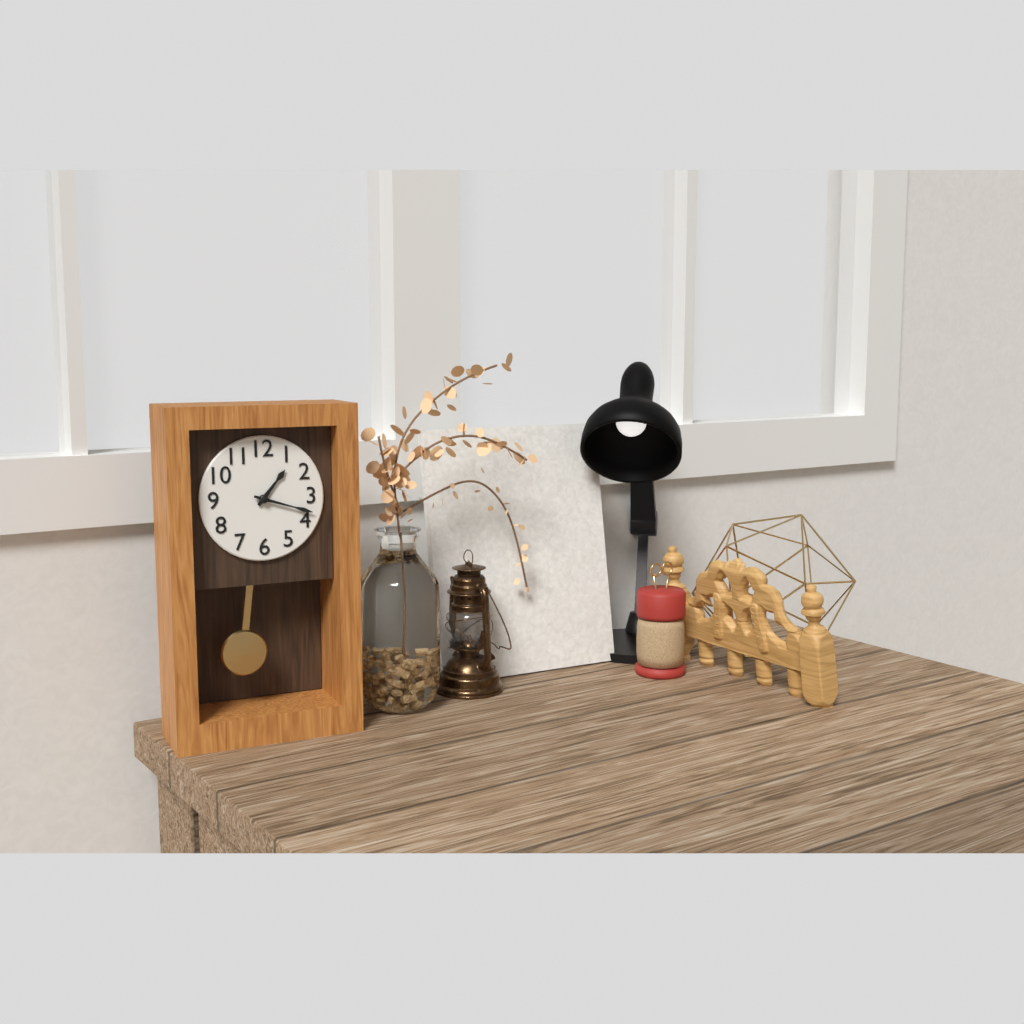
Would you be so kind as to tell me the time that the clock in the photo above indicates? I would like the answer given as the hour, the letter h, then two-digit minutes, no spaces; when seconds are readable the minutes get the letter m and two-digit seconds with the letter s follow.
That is 1h18
